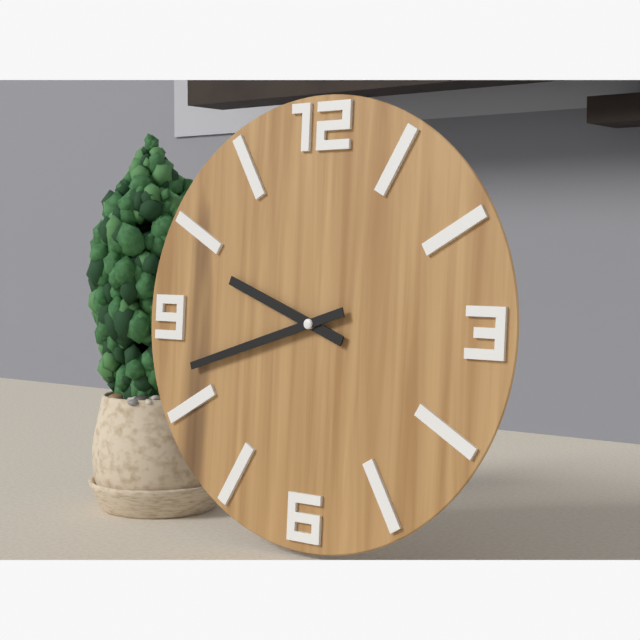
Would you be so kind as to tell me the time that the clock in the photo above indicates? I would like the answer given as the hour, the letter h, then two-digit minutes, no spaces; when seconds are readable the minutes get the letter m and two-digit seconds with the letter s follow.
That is 9h42
